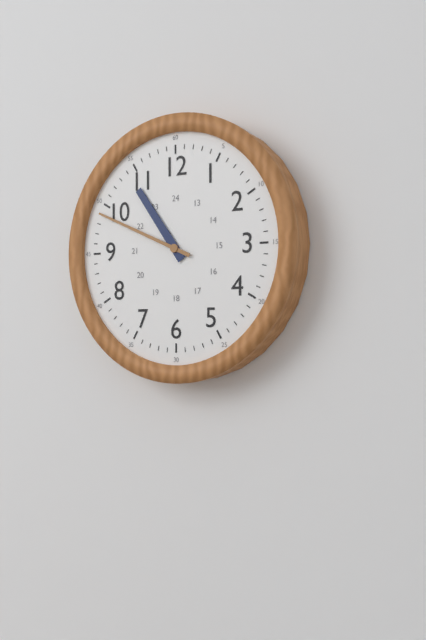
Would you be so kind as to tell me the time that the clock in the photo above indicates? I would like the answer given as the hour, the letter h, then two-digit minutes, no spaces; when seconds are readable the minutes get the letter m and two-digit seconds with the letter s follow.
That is 10h49
